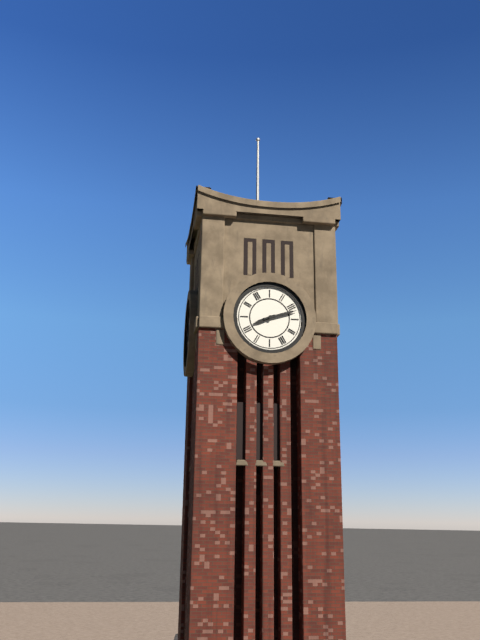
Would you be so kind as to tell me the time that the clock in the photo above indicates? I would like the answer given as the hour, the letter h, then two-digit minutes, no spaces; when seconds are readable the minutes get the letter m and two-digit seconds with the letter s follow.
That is 8h12
